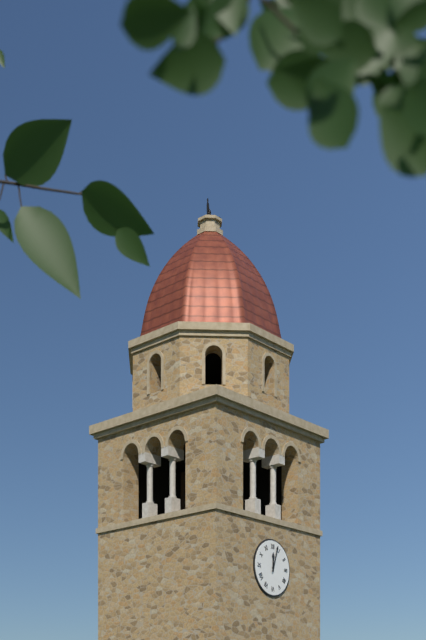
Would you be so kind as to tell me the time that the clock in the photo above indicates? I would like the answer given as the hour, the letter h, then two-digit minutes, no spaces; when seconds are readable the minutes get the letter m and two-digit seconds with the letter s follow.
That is 12h03
